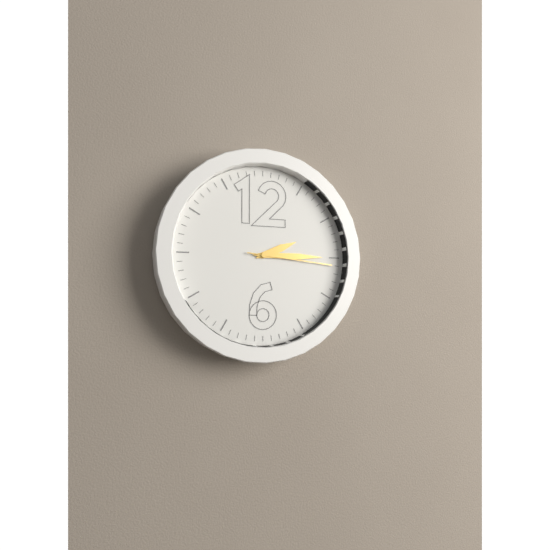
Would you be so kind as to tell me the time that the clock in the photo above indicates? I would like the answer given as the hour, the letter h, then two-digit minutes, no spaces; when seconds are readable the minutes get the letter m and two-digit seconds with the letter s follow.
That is 2h15m16s
